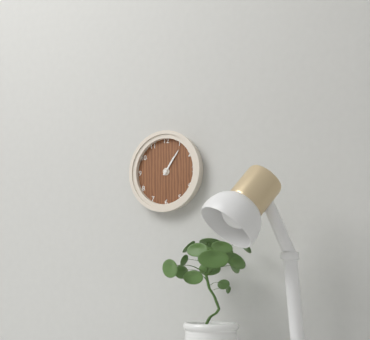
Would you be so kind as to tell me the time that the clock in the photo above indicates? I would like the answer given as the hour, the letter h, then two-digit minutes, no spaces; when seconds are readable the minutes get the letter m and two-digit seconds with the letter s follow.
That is 1h06
